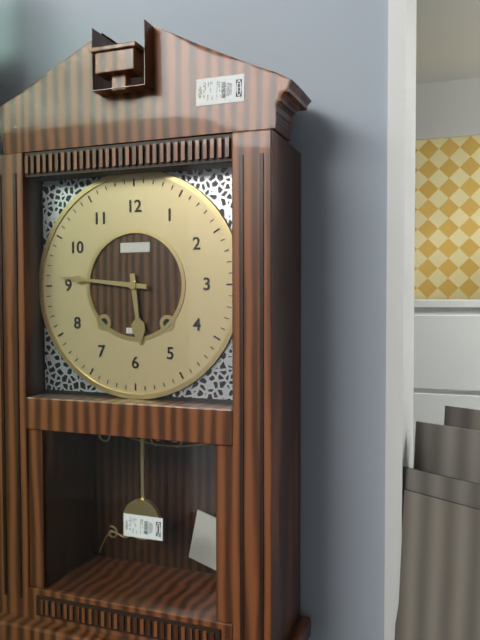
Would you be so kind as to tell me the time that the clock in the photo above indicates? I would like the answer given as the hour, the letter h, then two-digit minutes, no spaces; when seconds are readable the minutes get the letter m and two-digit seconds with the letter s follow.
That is 5h46
